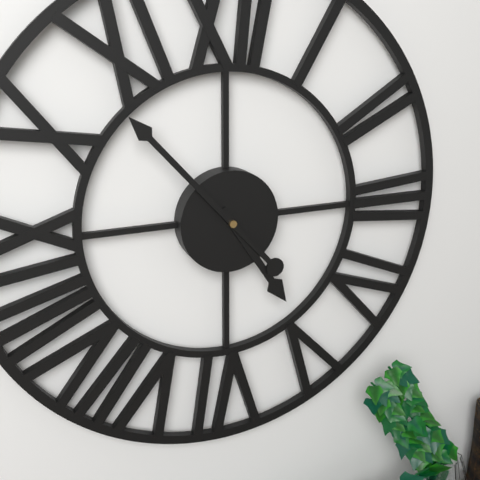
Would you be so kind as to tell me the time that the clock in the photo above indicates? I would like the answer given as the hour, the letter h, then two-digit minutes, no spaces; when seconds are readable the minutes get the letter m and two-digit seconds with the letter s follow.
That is 4h53
